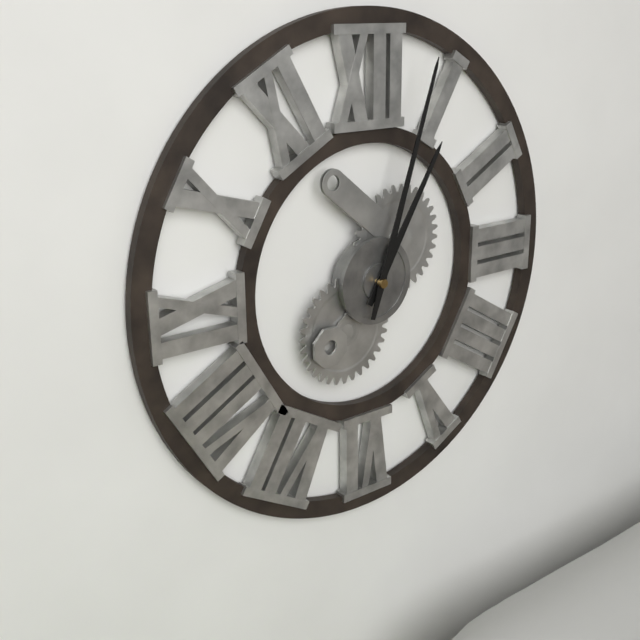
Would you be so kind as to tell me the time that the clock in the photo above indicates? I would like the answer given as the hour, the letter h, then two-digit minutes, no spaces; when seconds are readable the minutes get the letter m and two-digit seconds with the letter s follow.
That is 1h03
